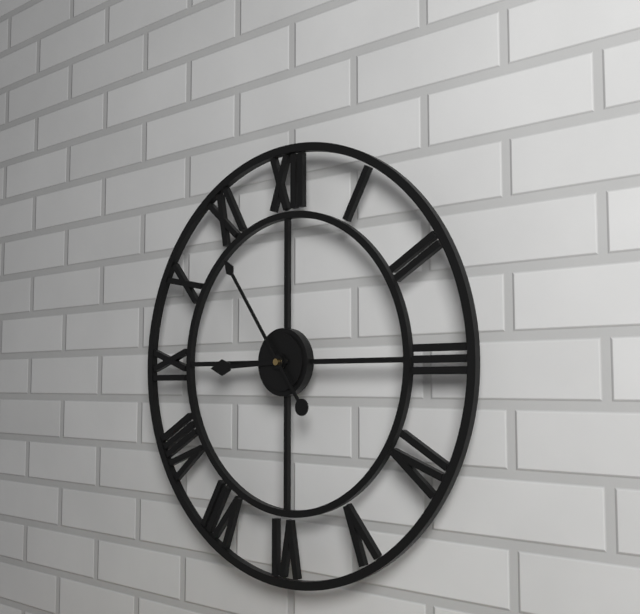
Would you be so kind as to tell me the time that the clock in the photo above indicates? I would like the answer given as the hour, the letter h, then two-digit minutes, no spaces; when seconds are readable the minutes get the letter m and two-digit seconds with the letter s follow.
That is 8h54
